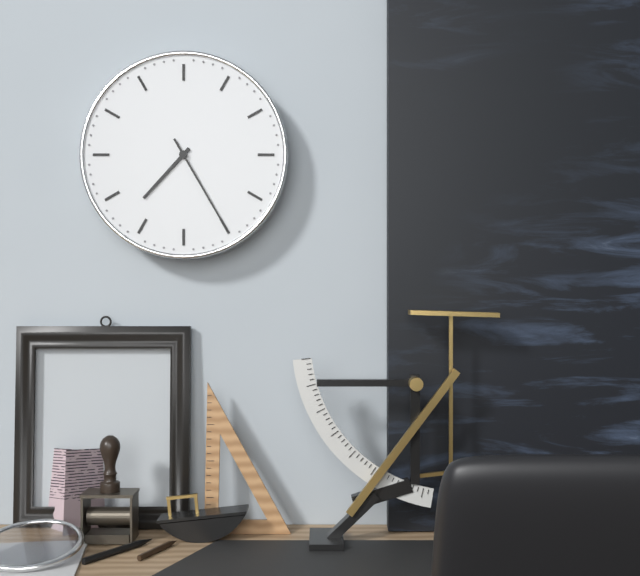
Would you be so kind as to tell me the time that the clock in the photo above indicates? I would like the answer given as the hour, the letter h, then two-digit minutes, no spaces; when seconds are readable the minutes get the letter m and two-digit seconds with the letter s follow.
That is 7h25
